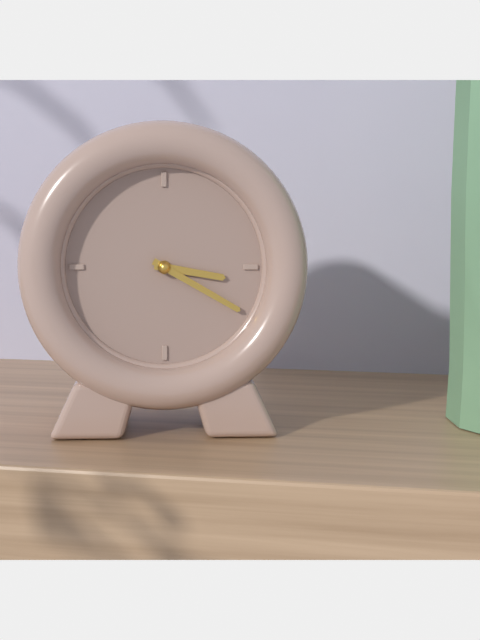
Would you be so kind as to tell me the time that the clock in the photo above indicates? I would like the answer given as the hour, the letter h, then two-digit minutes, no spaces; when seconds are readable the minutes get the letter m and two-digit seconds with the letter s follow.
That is 3h20
